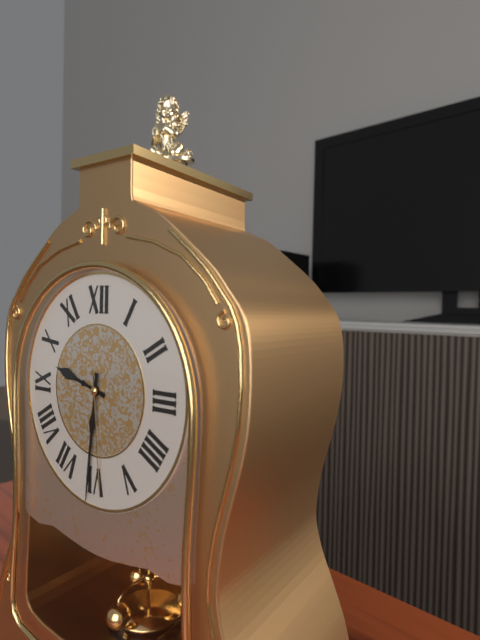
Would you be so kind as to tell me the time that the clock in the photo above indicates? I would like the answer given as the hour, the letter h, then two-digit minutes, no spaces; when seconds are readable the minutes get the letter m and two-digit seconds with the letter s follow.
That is 9h31m29s
